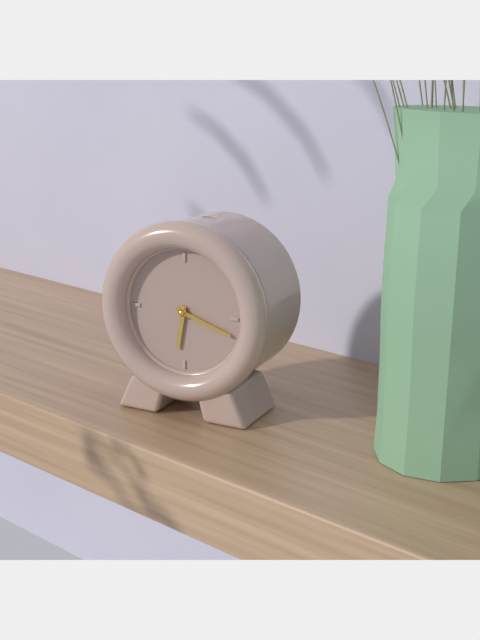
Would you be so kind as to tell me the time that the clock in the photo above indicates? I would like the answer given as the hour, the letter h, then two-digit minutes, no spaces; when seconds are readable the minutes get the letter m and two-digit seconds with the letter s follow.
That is 6h18
